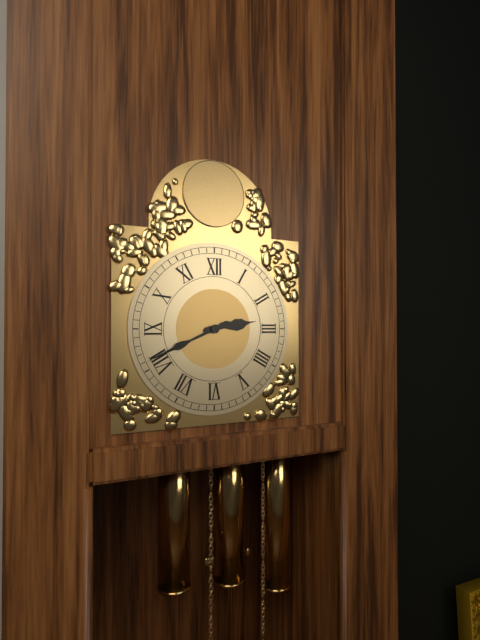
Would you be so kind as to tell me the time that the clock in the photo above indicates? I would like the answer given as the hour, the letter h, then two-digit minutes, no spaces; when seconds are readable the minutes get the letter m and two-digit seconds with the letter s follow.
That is 2h41
